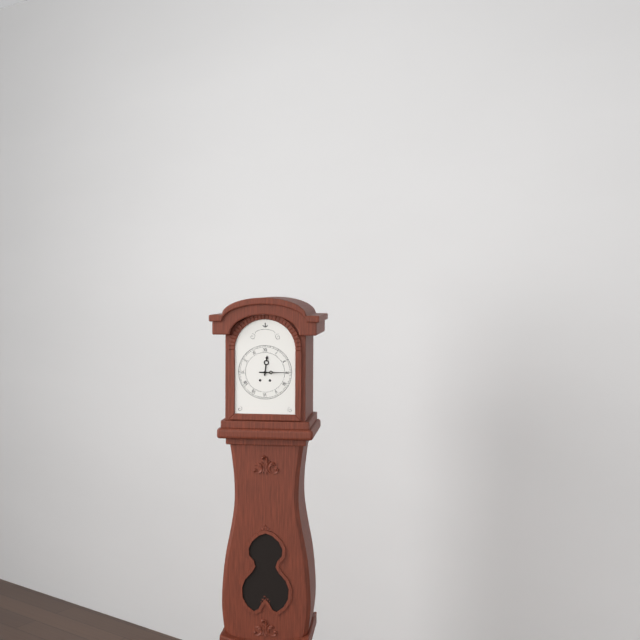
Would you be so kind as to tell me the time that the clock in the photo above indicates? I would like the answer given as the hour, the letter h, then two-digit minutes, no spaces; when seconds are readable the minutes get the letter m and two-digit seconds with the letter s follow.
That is 12h15
